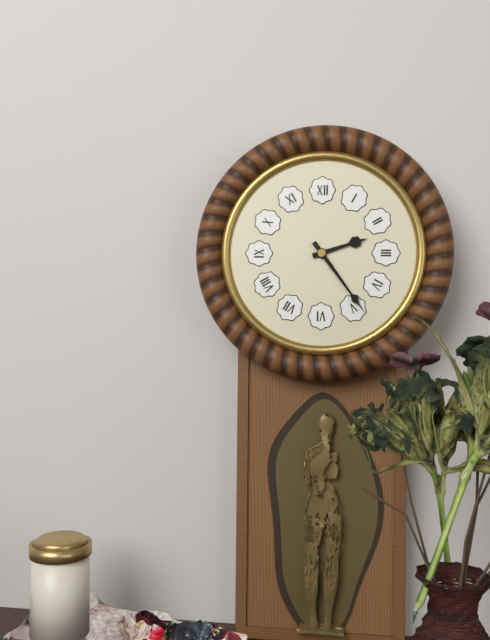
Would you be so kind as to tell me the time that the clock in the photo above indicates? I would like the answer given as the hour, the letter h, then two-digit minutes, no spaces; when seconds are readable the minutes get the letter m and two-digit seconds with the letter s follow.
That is 2h24
